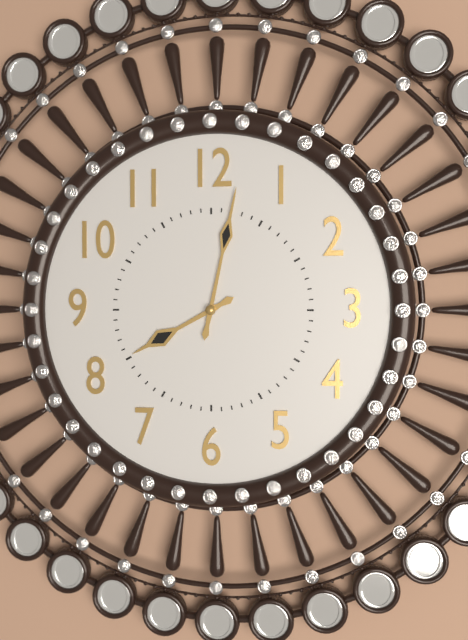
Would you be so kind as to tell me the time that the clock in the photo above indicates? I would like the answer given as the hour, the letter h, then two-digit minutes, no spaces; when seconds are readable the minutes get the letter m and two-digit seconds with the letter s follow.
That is 8h02
